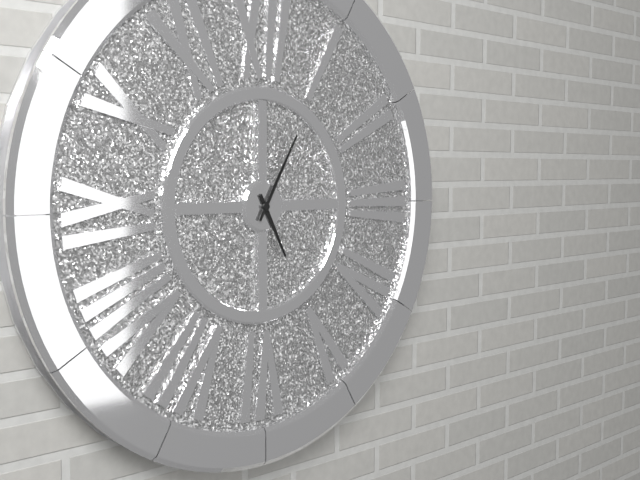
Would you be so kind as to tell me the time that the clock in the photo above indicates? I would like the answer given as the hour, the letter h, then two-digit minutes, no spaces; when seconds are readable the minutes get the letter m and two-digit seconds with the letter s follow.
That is 5h05
